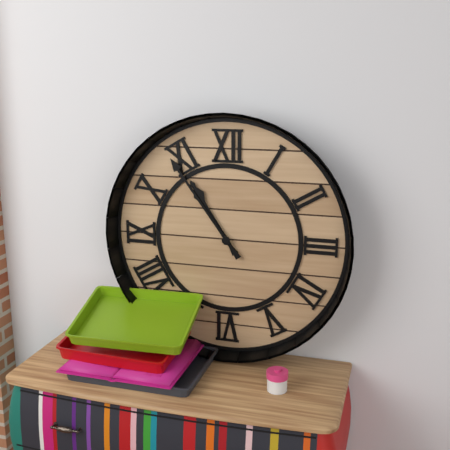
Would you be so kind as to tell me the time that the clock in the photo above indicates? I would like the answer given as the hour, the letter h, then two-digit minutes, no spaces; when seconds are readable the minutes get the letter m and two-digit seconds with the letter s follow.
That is 10h54
